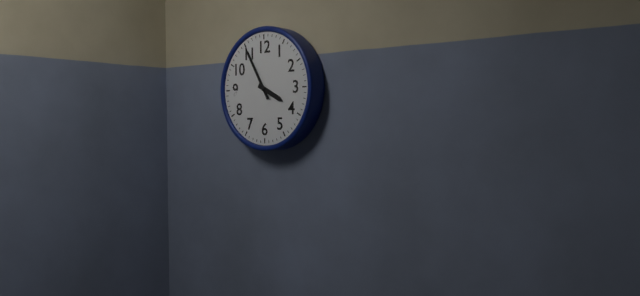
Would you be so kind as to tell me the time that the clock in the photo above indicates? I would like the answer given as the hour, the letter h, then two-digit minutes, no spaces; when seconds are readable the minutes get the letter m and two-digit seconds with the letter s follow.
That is 3h55
